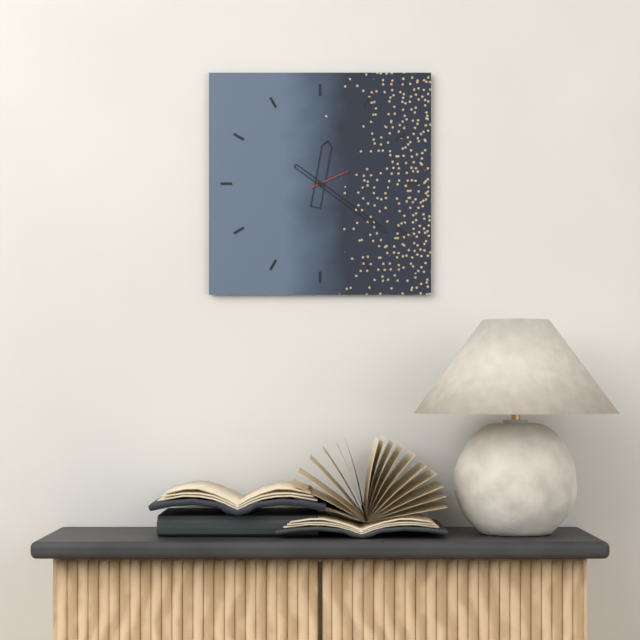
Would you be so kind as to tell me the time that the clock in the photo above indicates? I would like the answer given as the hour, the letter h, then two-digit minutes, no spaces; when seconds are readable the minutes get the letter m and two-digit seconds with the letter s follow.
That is 12h21
